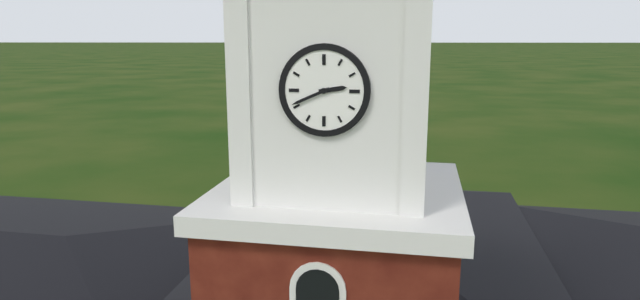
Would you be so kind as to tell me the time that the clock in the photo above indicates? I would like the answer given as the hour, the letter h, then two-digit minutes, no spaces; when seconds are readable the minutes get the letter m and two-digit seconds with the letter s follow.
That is 2h41
